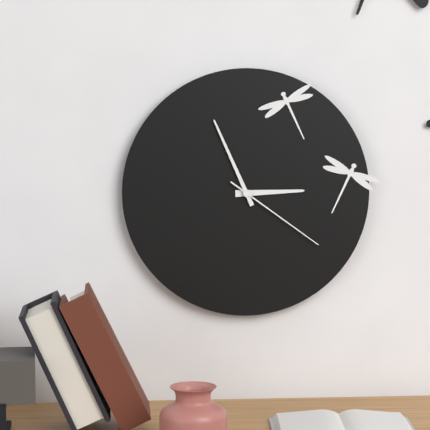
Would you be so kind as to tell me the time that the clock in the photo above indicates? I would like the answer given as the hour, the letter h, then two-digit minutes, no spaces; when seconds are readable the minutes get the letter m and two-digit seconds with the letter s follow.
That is 2h56m21s
